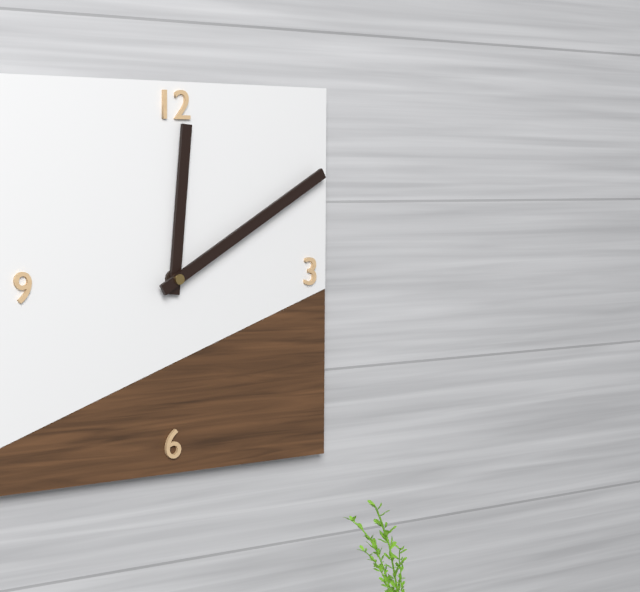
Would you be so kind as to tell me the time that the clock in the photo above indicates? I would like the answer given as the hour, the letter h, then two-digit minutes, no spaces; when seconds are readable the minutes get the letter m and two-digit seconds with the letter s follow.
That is 12h10
